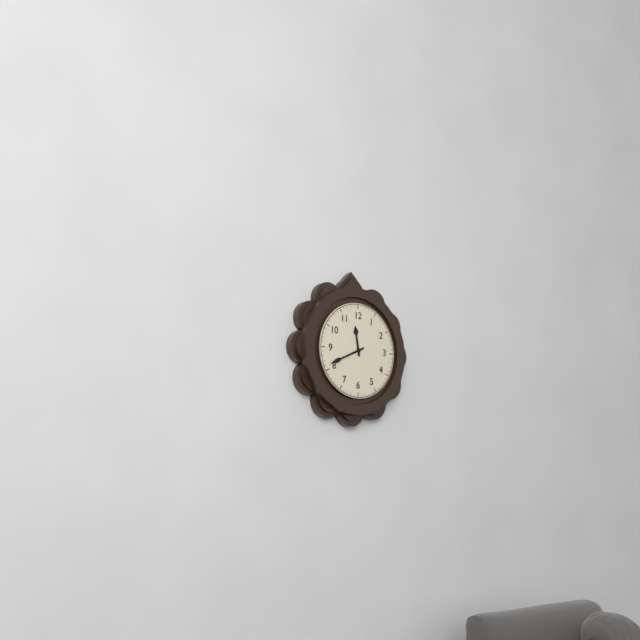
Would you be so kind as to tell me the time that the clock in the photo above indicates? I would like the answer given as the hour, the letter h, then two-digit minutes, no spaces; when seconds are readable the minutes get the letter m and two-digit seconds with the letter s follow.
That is 11h41
